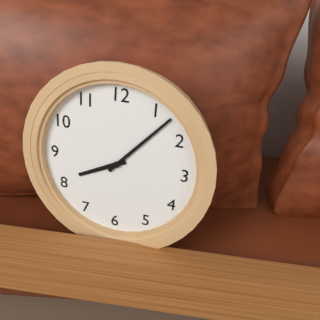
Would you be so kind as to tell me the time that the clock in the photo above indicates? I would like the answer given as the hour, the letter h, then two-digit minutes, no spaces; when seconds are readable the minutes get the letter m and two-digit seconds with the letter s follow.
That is 8h07
